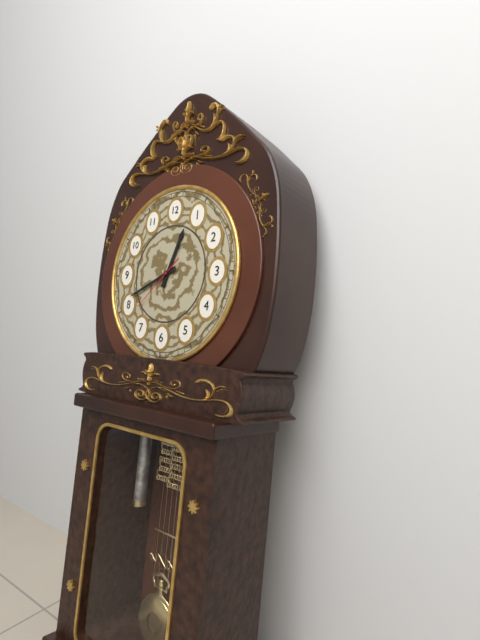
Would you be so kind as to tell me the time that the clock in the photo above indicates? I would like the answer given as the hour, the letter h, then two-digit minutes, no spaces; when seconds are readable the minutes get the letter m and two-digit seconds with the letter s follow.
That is 12h41m38s
